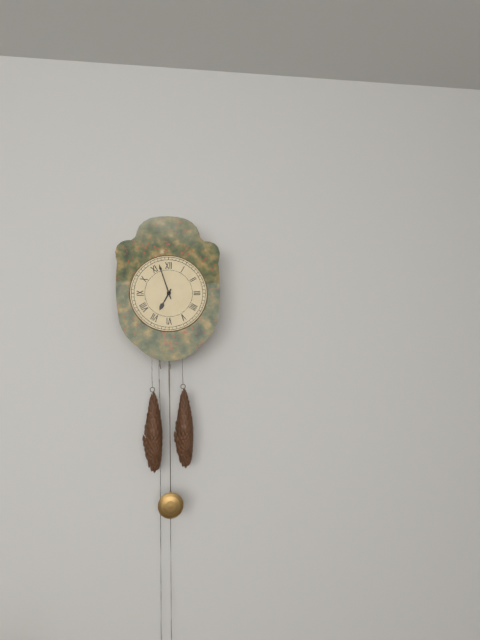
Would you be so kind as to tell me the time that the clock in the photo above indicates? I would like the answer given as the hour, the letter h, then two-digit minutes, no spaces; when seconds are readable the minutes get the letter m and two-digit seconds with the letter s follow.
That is 6h57
